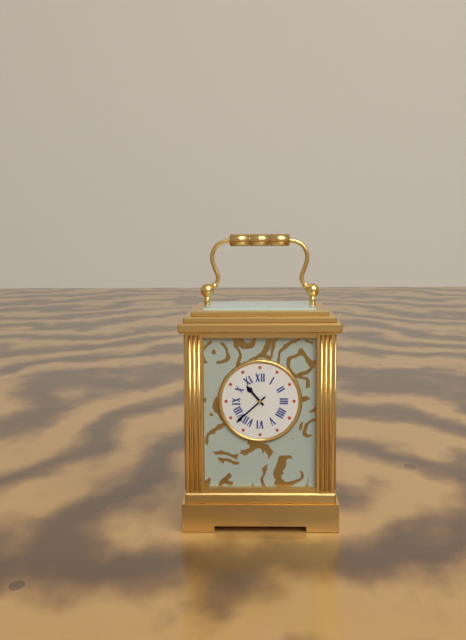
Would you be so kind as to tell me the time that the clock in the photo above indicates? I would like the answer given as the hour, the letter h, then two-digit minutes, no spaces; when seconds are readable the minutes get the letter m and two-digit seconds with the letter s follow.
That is 10h38
